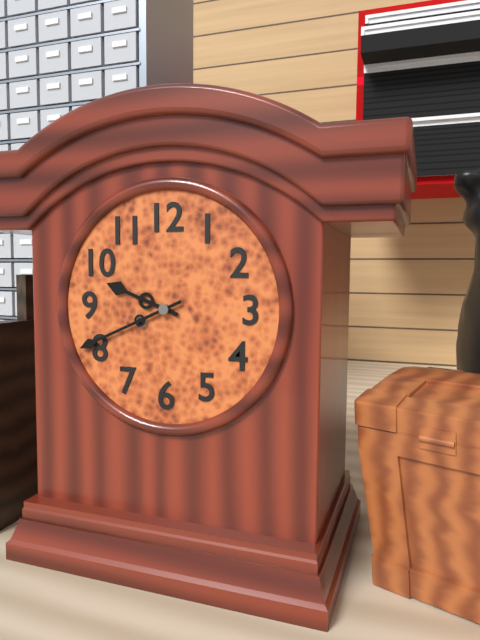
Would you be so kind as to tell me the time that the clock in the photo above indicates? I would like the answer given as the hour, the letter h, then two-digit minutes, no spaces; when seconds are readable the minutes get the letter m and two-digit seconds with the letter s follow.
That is 9h41
